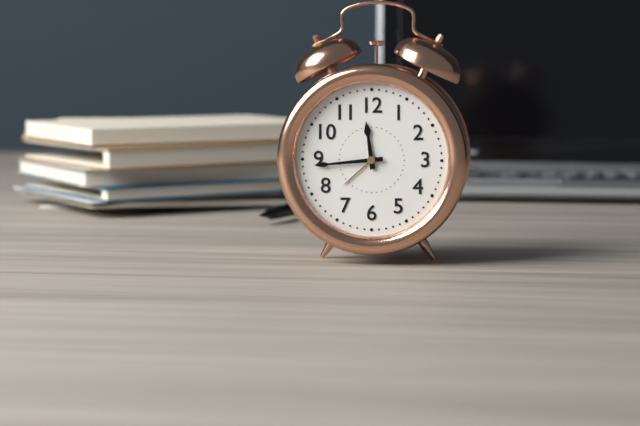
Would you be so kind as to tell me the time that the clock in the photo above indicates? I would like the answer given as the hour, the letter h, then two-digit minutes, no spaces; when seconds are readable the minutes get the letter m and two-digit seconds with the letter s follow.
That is 11h44
